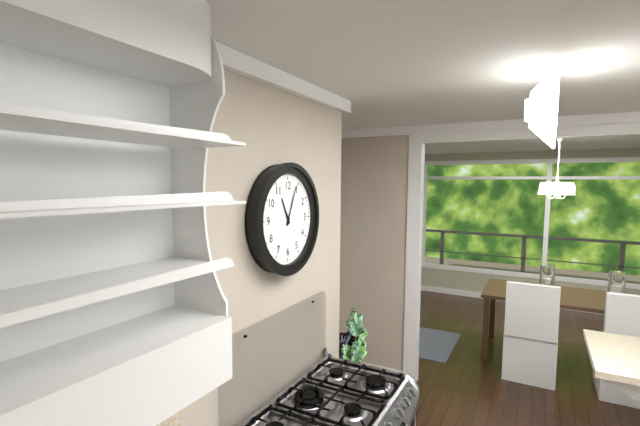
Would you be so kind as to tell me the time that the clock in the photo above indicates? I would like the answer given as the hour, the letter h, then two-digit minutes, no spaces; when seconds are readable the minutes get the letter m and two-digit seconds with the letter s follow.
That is 11h04
